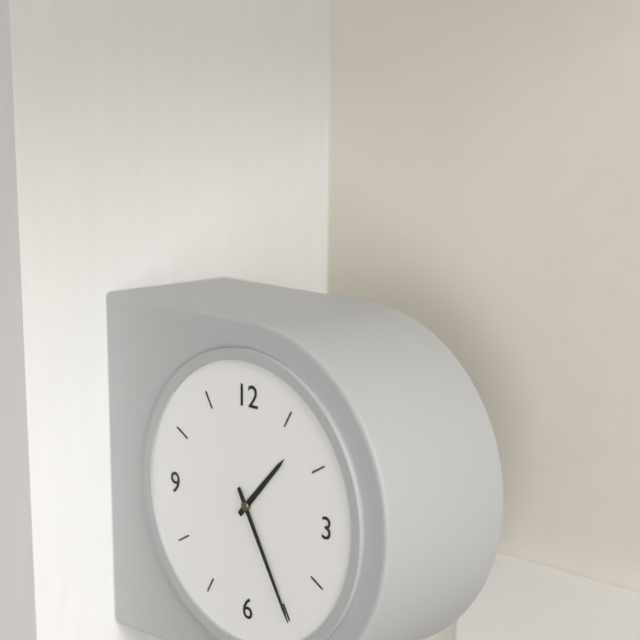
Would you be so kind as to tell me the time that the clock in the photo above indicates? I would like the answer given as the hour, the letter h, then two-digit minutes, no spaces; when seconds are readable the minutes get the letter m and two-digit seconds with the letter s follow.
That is 1h25
